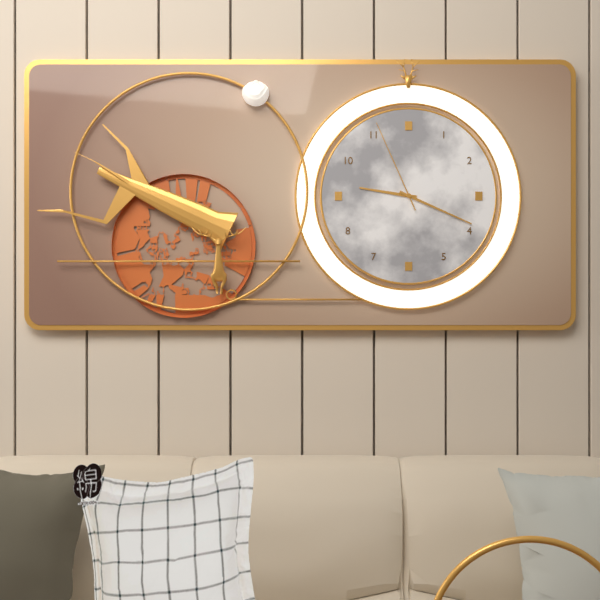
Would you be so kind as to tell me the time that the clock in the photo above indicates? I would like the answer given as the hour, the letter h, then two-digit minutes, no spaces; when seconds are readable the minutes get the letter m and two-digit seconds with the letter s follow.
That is 9h19m56s
